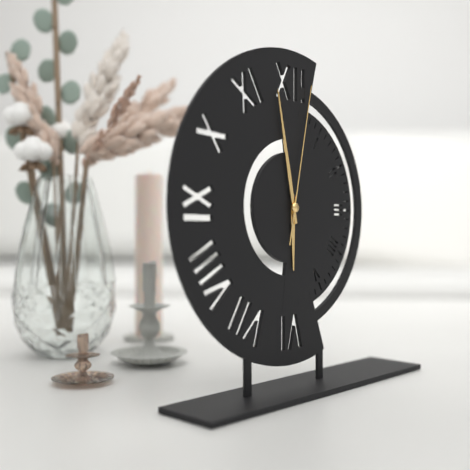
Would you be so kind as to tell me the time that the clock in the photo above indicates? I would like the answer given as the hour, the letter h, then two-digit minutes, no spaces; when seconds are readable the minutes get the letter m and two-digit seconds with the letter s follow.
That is 5h58m02s
